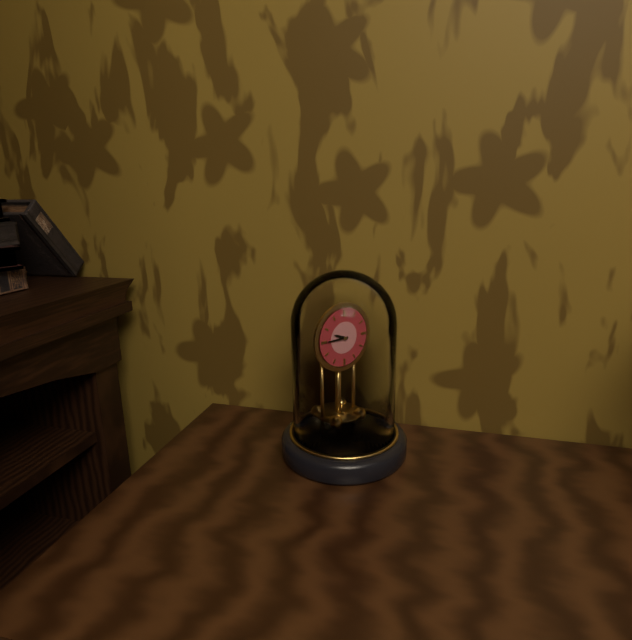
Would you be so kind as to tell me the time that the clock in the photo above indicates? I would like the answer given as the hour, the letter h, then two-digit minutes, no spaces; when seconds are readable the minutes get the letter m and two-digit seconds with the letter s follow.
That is 9h45
